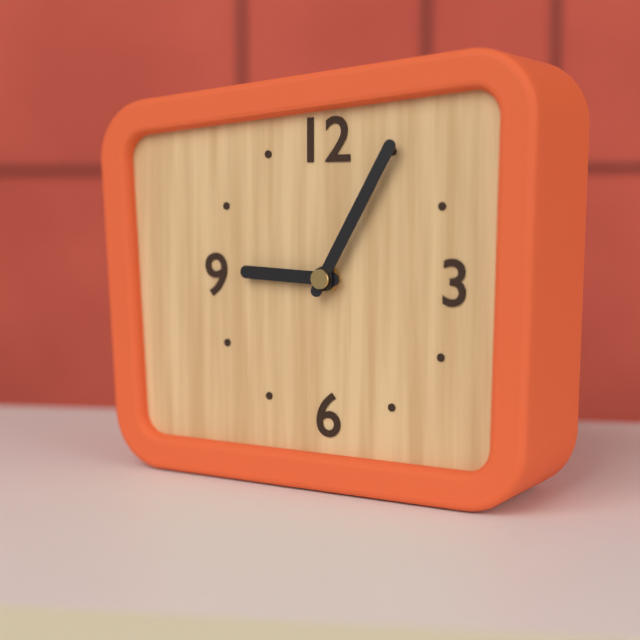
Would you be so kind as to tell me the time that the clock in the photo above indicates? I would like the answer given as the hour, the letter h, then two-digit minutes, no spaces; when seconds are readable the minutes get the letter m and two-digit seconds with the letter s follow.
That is 9h05
